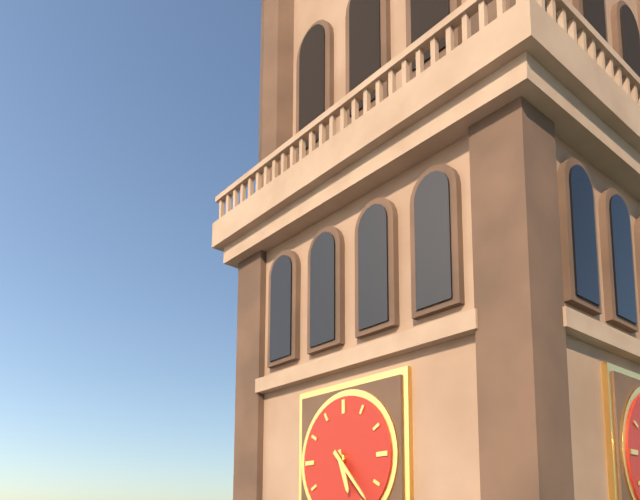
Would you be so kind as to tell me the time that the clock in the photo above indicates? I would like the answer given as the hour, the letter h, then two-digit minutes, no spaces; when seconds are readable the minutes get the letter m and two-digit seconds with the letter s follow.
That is 5h23
